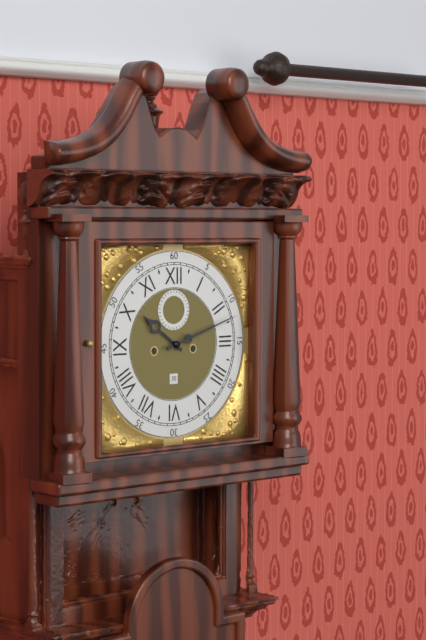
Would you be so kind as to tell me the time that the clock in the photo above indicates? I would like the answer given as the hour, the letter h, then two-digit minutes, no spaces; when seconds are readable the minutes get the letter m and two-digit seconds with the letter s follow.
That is 10h12
